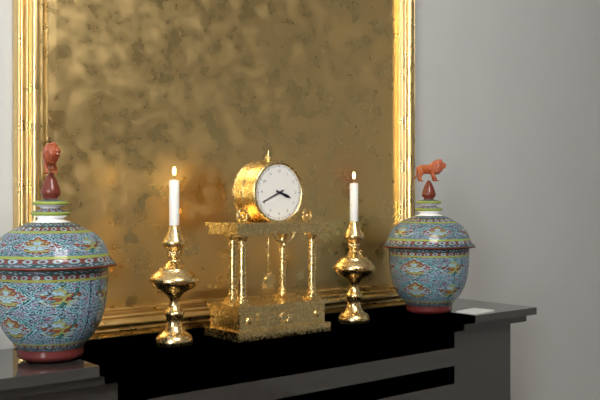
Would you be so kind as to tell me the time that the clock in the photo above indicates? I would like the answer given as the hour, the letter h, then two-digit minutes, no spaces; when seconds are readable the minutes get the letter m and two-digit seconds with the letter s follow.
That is 3h41
